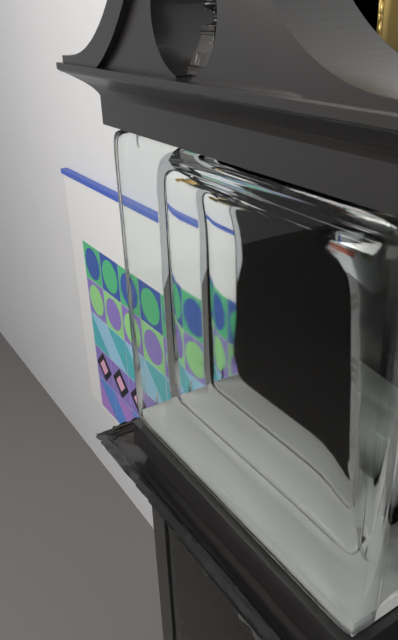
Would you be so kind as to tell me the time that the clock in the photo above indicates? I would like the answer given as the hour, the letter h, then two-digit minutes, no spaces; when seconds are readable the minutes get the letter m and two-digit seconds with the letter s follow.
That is 11h36
